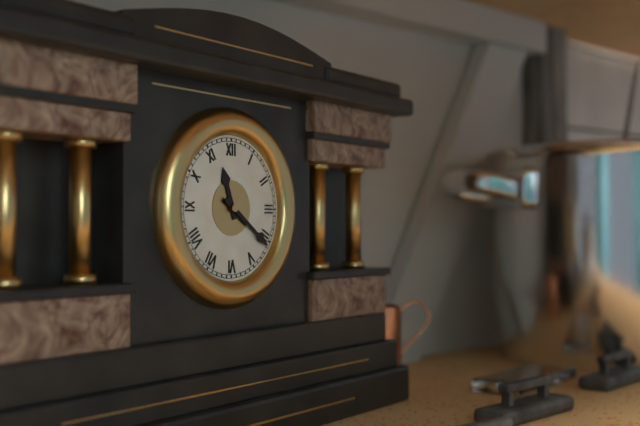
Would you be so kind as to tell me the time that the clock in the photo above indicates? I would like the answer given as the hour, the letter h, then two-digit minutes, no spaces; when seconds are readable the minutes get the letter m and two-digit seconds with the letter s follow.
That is 11h21
